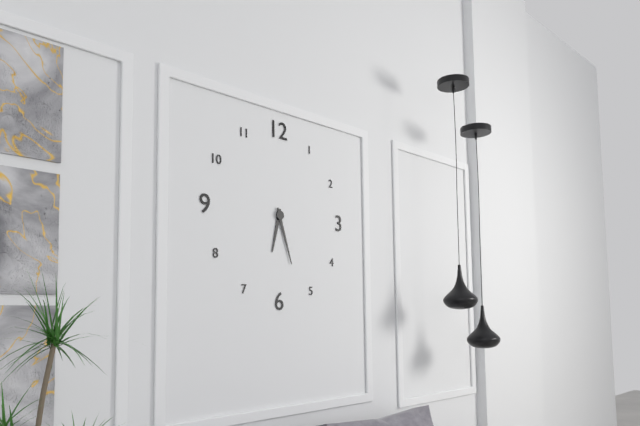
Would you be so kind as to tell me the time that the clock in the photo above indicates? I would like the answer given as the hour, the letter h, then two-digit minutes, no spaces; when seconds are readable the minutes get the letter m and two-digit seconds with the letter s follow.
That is 6h27
